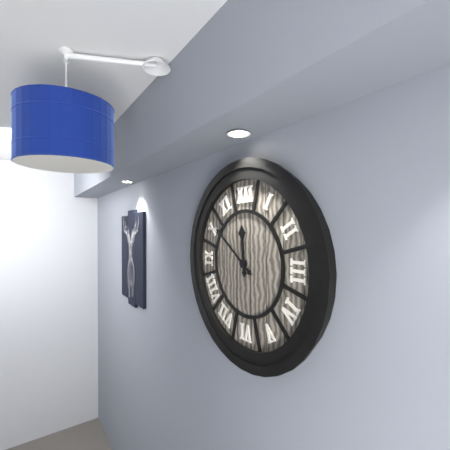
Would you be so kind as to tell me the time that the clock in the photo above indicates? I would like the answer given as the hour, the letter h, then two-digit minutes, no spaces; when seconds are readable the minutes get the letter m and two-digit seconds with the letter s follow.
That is 11h51
